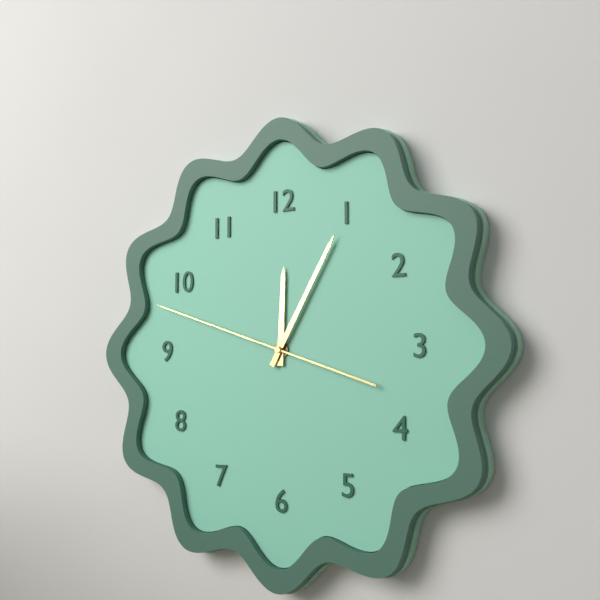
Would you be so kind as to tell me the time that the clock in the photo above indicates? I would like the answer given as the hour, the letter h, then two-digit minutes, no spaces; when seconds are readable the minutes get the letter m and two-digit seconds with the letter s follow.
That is 12h05m48s
